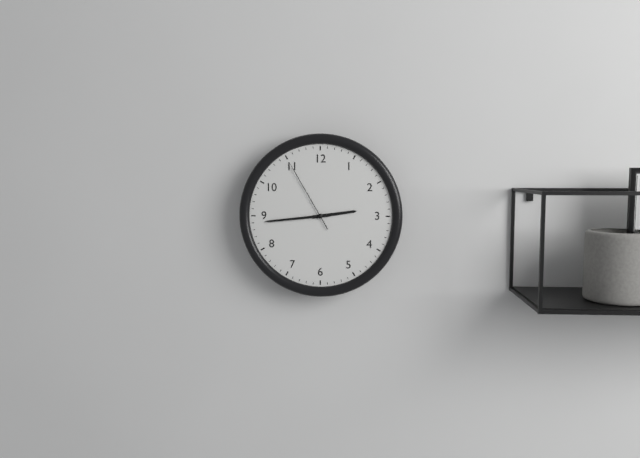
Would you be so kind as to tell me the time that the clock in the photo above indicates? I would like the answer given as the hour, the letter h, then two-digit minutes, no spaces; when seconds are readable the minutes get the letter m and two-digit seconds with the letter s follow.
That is 2h44m55s
